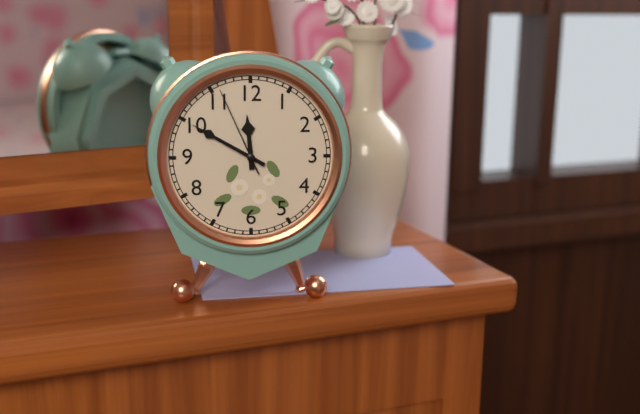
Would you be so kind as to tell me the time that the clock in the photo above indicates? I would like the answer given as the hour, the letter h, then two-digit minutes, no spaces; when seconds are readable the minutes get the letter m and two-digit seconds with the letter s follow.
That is 11h50m56s
